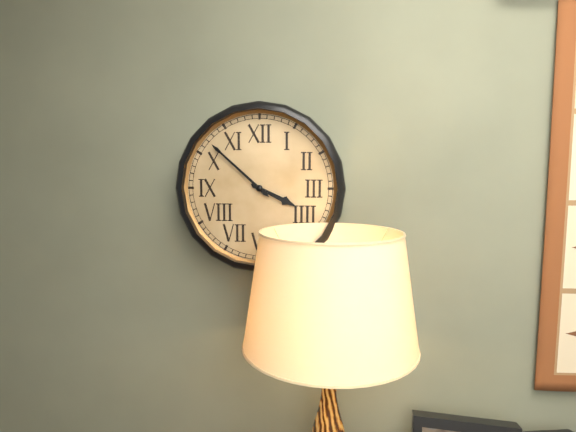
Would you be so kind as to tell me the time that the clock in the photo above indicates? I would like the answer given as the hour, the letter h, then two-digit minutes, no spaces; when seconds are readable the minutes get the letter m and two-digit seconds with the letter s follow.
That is 3h52
